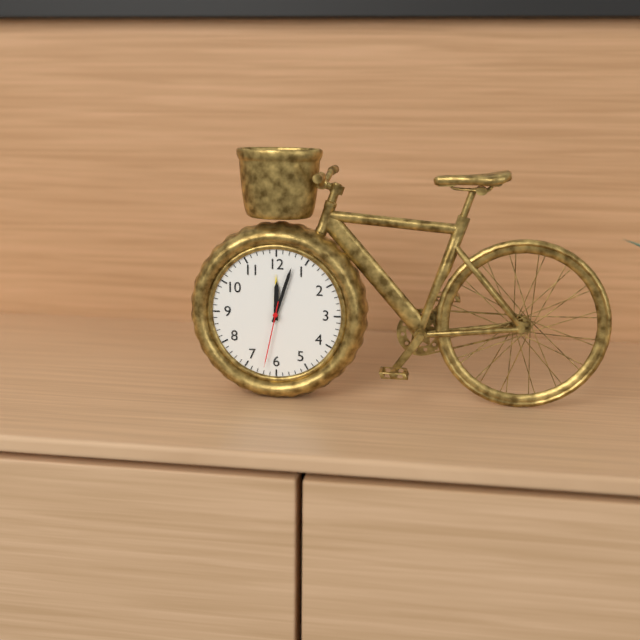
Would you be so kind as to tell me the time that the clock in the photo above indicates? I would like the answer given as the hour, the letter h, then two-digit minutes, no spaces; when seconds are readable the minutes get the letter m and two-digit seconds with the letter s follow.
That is 12h03m32s
